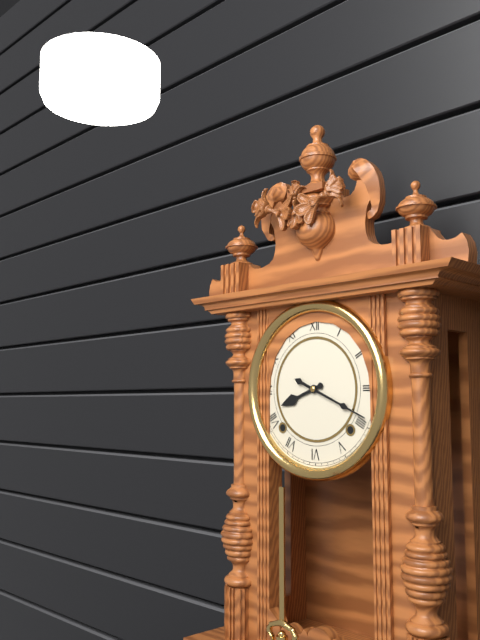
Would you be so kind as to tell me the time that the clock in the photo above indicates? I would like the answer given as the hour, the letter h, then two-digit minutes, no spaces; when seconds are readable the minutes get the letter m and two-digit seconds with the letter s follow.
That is 8h19
